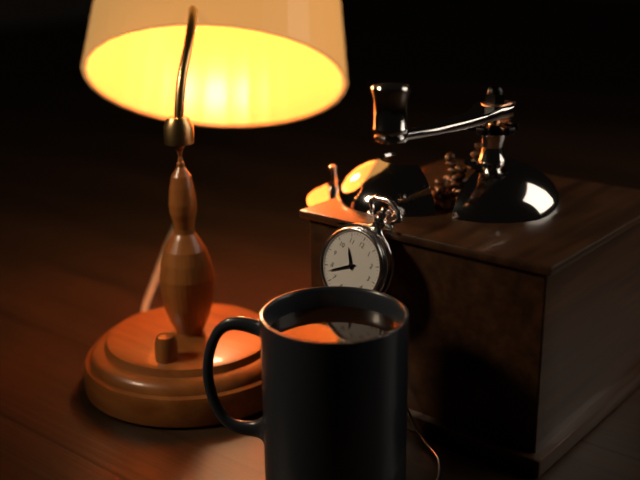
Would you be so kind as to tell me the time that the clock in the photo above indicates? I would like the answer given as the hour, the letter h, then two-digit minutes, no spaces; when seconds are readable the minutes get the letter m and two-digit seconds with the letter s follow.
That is 10h38
